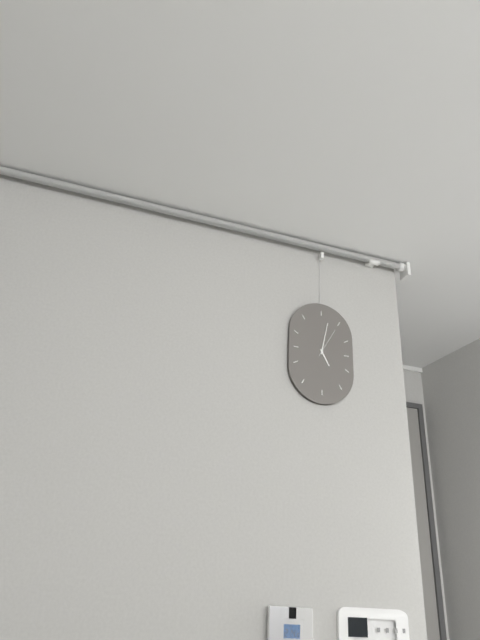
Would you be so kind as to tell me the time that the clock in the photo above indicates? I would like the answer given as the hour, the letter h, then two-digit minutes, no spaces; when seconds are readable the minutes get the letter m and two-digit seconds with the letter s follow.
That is 5h02
